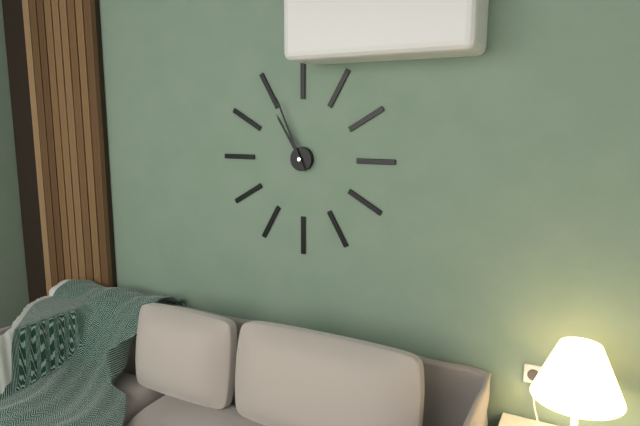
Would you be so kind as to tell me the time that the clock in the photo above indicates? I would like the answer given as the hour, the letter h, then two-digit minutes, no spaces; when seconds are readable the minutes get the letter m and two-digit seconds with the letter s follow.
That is 10h56
